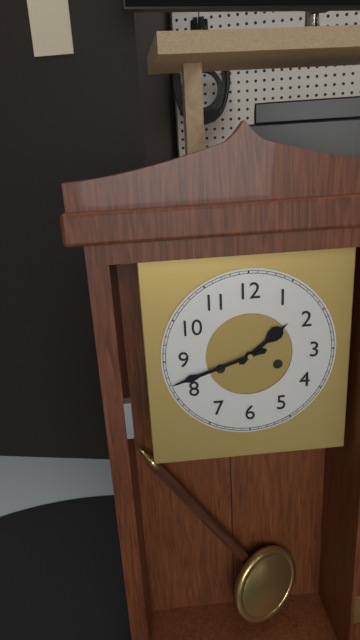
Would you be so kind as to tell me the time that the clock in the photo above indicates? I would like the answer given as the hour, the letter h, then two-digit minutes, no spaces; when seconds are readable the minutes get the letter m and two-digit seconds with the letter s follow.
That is 1h42
